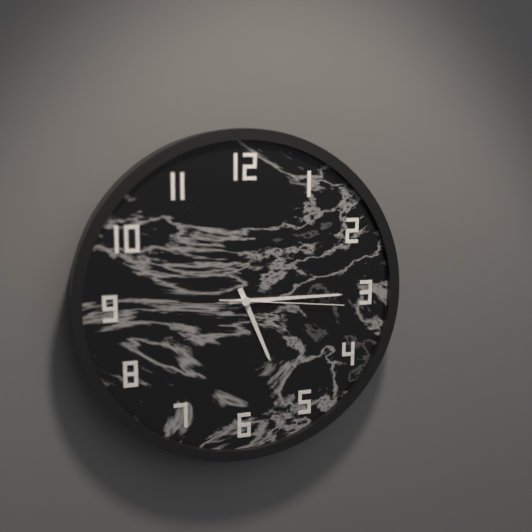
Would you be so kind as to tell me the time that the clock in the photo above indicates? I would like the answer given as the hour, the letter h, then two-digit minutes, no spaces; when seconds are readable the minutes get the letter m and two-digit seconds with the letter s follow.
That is 5h15m16s
